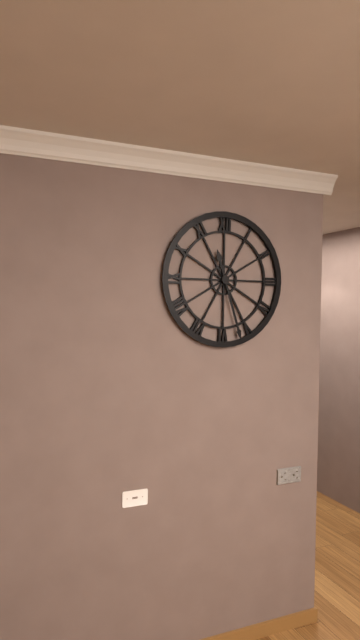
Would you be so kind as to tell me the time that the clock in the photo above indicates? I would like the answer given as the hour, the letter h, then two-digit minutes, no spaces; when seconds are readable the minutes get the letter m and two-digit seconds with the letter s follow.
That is 11h27
